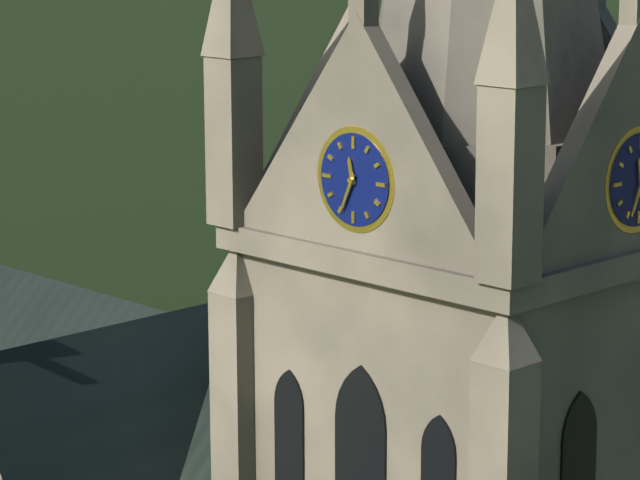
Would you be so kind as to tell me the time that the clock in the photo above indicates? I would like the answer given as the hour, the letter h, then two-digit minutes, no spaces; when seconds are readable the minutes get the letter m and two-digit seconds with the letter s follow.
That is 11h34
